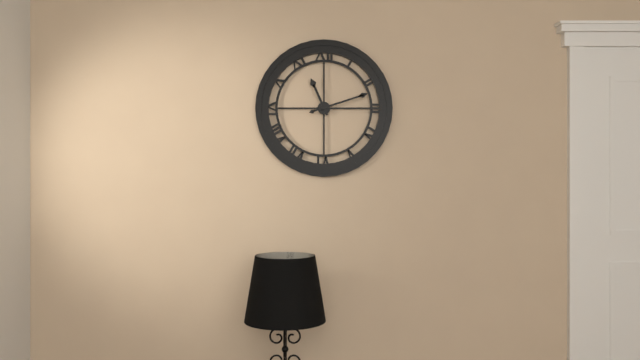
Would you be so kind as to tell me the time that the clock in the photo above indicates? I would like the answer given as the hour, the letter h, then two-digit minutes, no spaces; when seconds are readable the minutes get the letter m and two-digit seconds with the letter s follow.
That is 11h12
